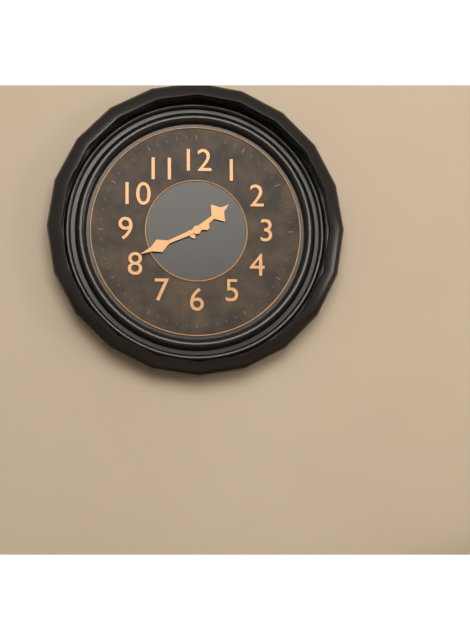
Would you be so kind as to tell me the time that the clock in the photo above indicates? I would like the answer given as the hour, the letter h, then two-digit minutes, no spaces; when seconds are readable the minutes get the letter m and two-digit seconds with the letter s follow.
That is 1h41
